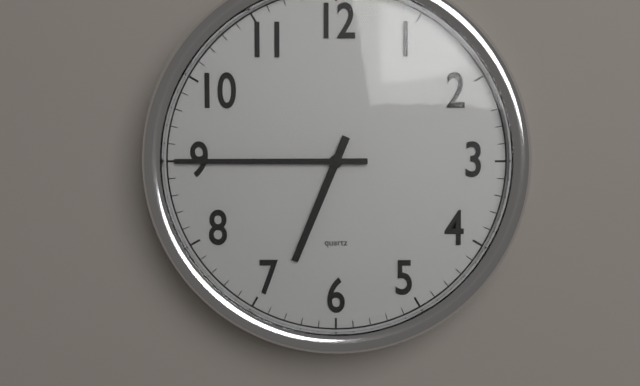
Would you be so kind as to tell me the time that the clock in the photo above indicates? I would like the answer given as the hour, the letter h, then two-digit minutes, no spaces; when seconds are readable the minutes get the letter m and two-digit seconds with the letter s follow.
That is 6h45
